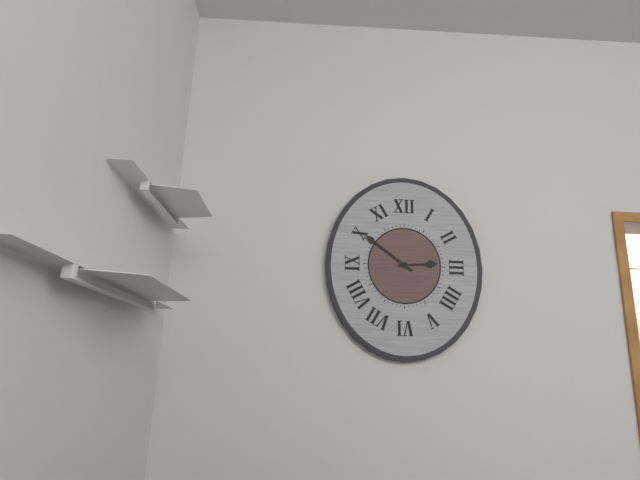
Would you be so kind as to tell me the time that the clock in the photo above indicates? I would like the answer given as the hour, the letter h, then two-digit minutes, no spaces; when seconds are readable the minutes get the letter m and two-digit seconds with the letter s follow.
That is 2h51
